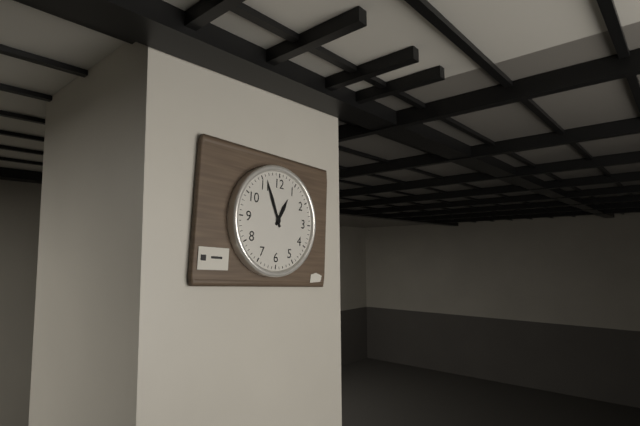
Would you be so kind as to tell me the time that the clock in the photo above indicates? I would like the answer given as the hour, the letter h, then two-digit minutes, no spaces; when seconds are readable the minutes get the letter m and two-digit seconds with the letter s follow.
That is 12h56
